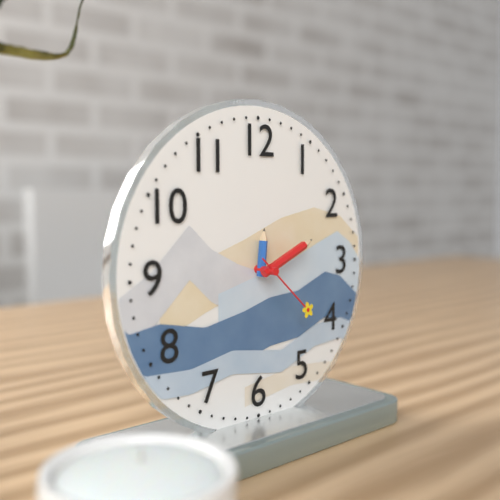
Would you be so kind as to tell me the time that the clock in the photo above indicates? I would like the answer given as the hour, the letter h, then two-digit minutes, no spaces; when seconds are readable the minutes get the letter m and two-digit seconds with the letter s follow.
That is 12h11m22s
